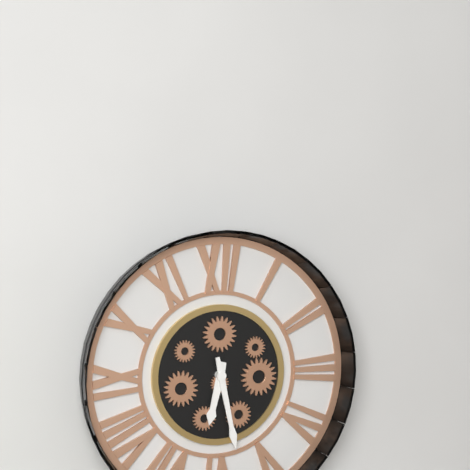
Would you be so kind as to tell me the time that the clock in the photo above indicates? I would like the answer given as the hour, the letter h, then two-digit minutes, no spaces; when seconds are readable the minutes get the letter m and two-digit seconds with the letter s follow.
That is 6h28
